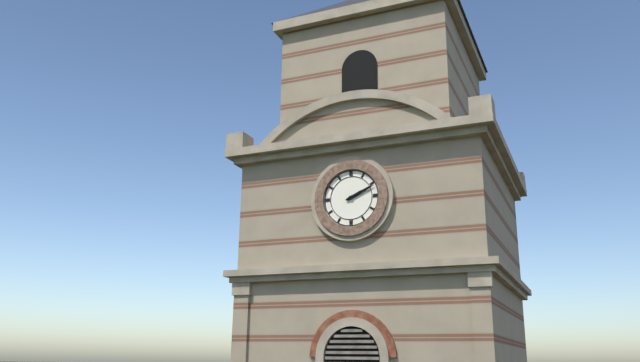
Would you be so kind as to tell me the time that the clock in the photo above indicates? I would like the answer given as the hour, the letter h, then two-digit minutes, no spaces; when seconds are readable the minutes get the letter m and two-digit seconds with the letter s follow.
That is 2h11
